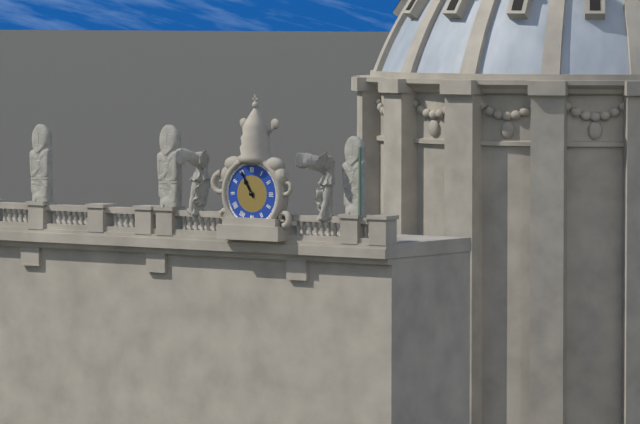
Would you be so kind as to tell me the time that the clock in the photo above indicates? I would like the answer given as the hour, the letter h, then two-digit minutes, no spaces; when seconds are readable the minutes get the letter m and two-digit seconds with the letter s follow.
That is 10h55
